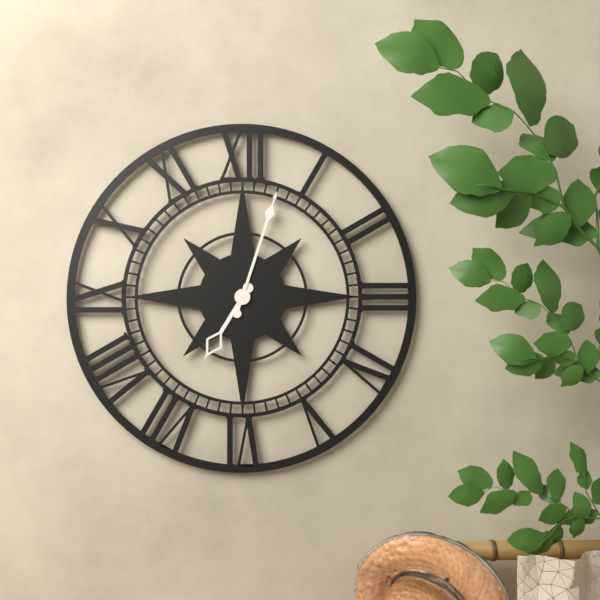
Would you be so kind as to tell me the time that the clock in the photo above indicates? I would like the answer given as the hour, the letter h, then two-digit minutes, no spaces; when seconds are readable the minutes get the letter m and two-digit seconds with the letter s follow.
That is 7h03
